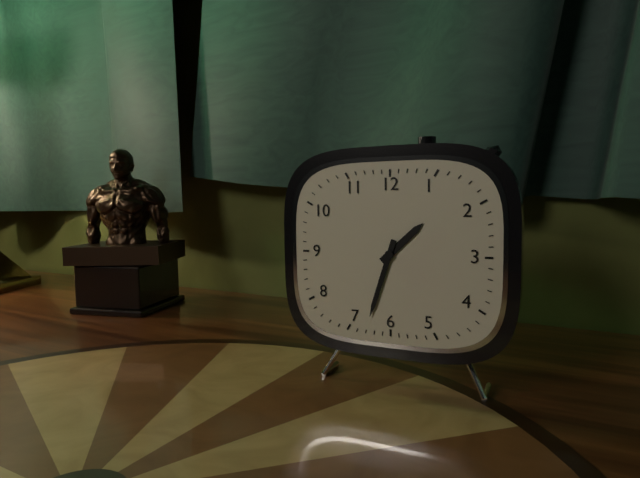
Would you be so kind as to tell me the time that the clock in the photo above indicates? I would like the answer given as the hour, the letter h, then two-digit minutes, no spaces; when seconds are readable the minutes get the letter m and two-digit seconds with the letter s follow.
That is 1h33
